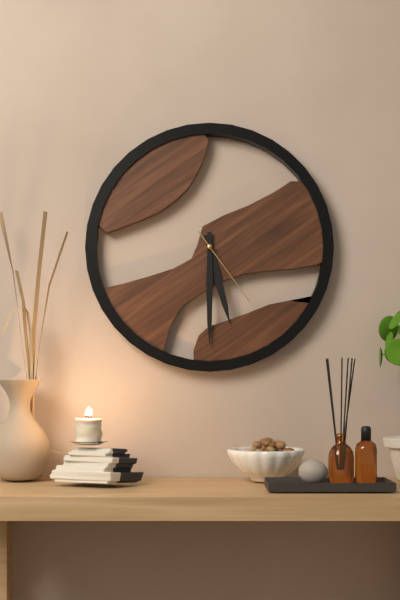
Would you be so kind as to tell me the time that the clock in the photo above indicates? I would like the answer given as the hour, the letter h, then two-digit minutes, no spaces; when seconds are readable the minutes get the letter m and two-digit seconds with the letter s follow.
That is 5h30m24s
